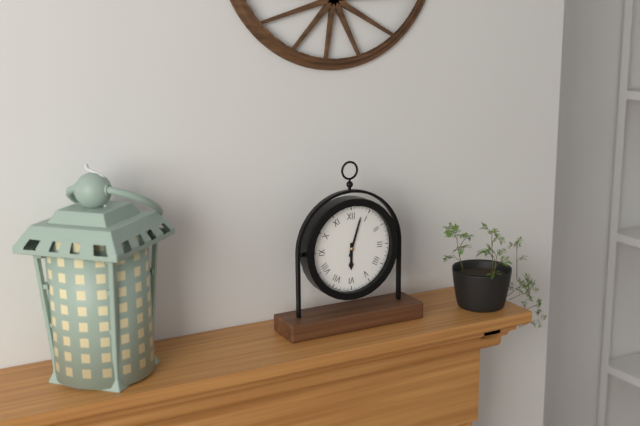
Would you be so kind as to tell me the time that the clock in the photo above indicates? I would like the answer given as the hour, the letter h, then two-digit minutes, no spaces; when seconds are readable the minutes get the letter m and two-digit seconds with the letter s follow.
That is 6h03
